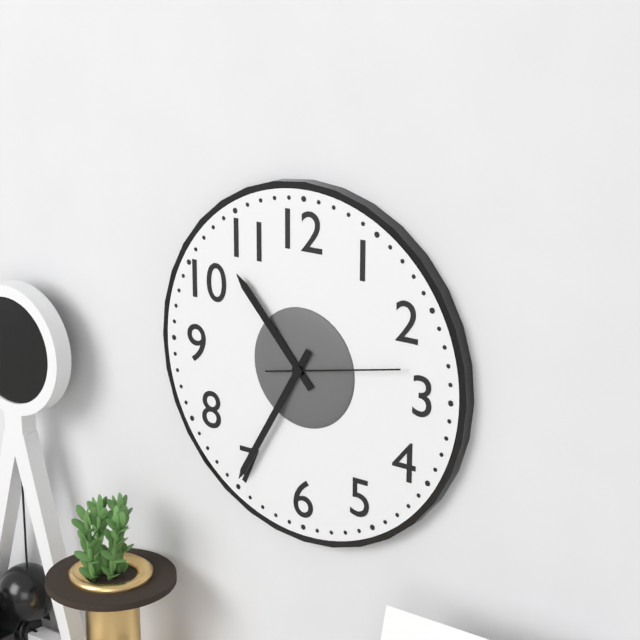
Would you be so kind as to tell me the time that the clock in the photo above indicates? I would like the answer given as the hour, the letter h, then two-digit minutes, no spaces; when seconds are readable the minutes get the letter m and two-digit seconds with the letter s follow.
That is 10h35m13s
